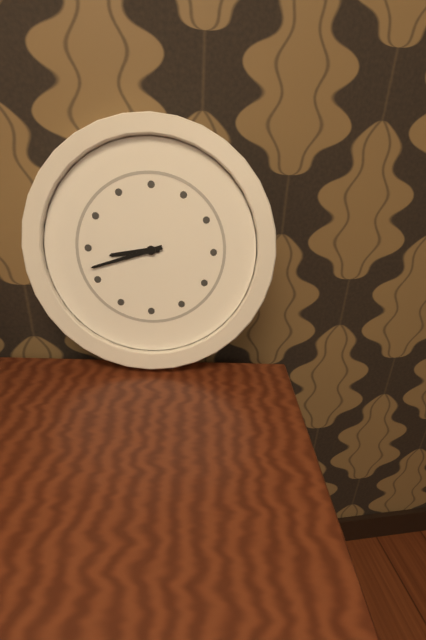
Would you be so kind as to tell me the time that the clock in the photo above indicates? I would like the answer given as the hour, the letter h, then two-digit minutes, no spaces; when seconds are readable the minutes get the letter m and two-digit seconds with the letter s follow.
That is 8h42
